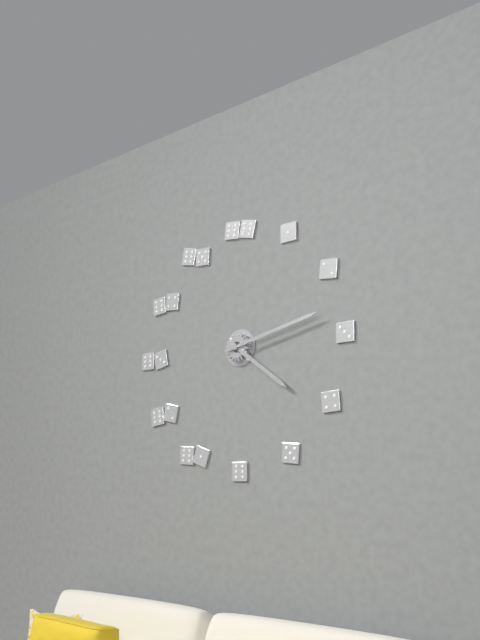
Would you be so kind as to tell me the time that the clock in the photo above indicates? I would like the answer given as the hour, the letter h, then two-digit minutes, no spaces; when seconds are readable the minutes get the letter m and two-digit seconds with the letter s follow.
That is 4h13
